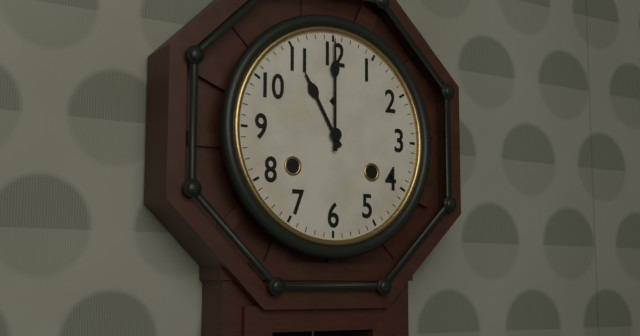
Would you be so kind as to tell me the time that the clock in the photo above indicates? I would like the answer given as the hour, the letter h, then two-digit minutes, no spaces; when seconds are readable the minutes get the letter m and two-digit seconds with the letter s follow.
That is 11h00
